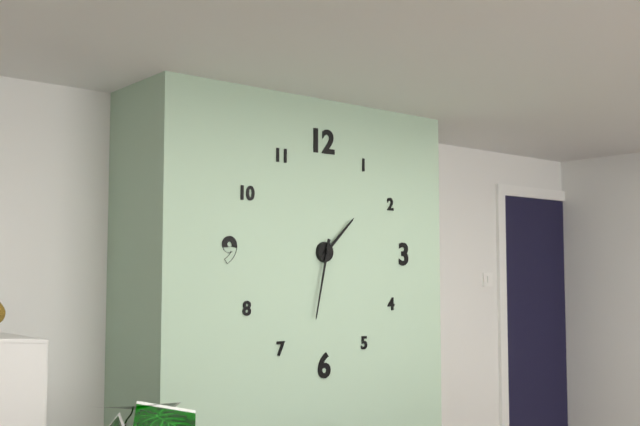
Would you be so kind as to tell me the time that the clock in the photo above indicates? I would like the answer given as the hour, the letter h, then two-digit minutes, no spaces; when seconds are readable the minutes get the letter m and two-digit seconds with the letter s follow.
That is 1h32
